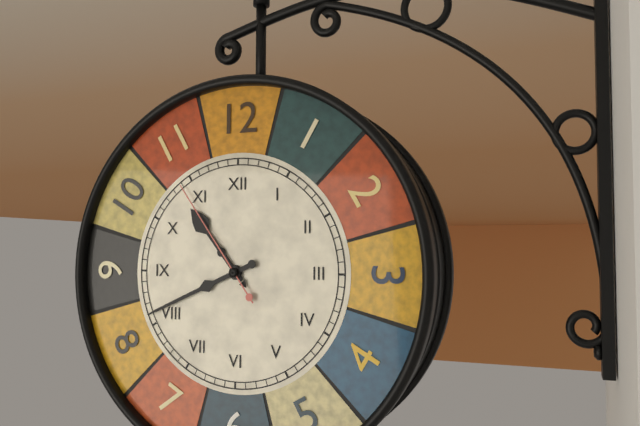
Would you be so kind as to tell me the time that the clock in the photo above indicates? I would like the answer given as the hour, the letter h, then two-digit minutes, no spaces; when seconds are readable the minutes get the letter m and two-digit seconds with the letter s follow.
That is 10h41m54s
